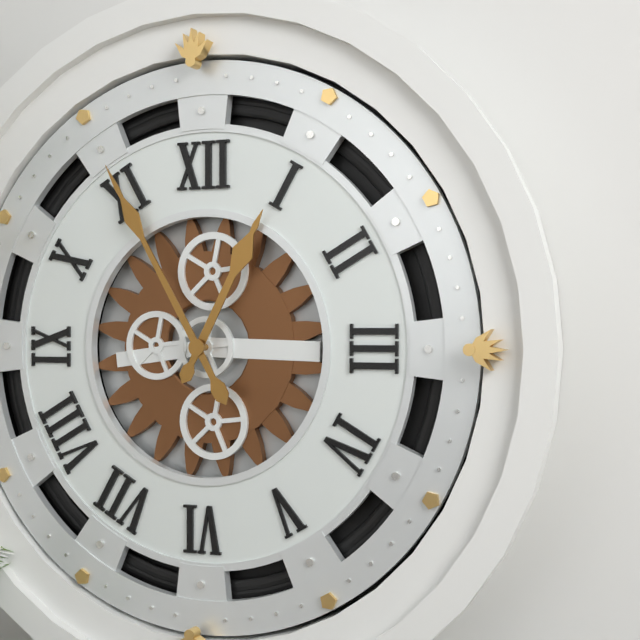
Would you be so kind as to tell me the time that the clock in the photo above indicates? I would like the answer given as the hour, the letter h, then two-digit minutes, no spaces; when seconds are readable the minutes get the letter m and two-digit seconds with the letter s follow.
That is 12h55
